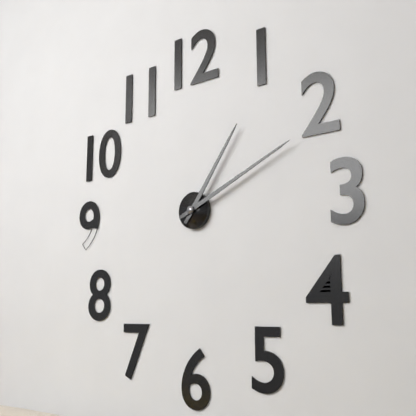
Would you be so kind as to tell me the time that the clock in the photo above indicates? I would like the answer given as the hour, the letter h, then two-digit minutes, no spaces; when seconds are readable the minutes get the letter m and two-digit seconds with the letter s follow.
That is 1h11
